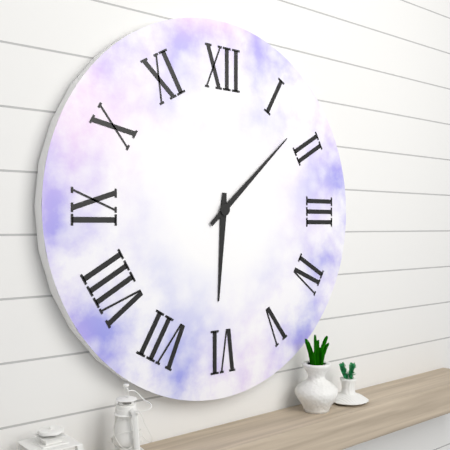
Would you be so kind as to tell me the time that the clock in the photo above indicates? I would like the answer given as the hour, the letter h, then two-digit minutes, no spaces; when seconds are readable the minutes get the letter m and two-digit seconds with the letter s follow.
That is 6h08
